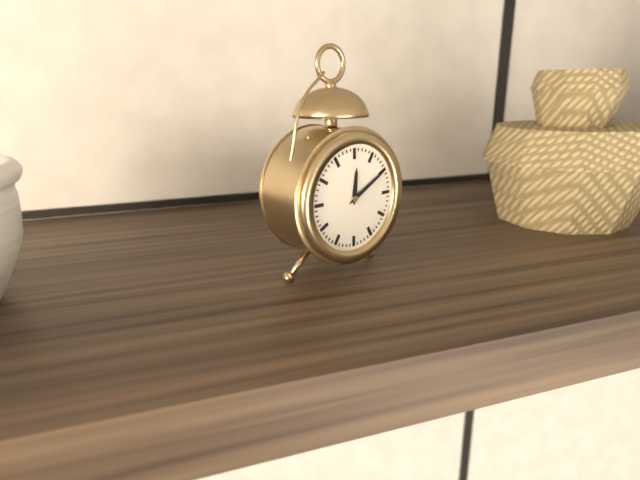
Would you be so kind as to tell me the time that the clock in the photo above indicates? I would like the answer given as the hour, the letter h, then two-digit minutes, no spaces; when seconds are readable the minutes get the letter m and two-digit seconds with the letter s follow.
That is 12h10
